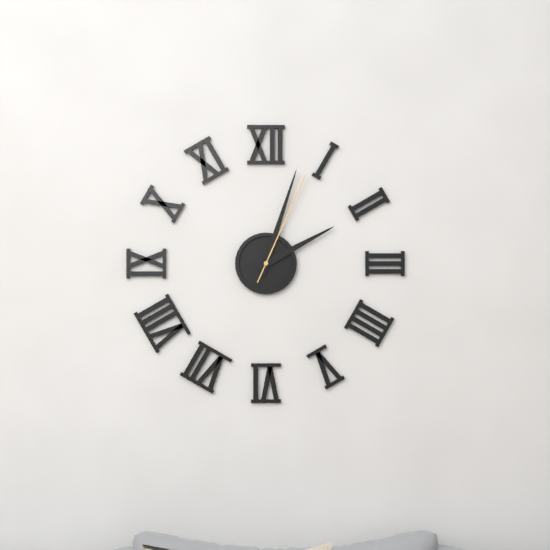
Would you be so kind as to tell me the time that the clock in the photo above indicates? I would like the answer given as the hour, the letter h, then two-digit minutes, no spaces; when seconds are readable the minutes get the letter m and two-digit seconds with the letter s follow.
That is 2h03m04s
